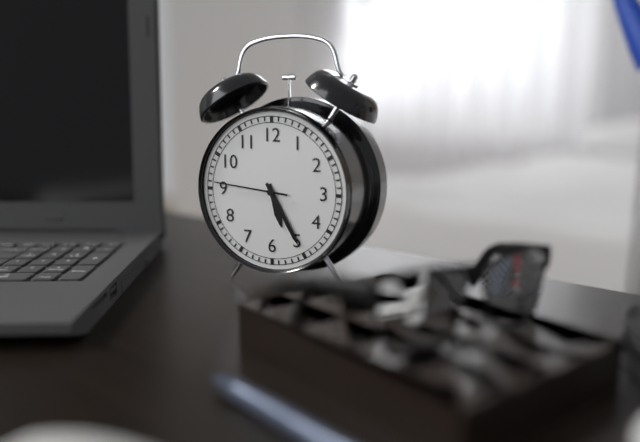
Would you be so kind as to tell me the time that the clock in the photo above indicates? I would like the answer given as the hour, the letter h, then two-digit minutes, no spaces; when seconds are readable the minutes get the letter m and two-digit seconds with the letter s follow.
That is 5h25m46s
